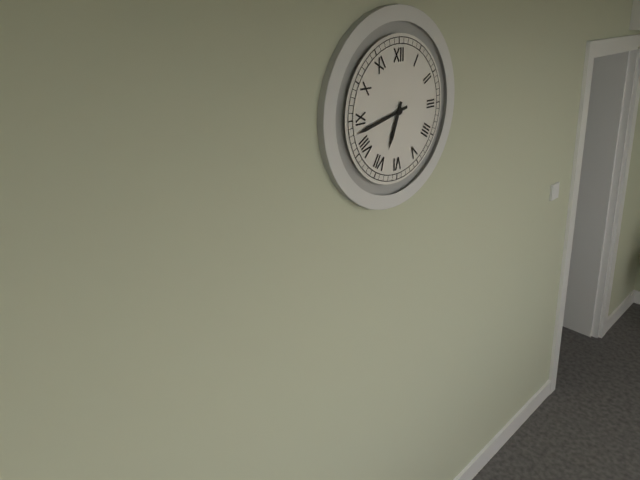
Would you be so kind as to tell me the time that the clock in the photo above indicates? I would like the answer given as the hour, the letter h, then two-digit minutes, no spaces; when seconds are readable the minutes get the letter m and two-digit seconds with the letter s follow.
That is 6h43
